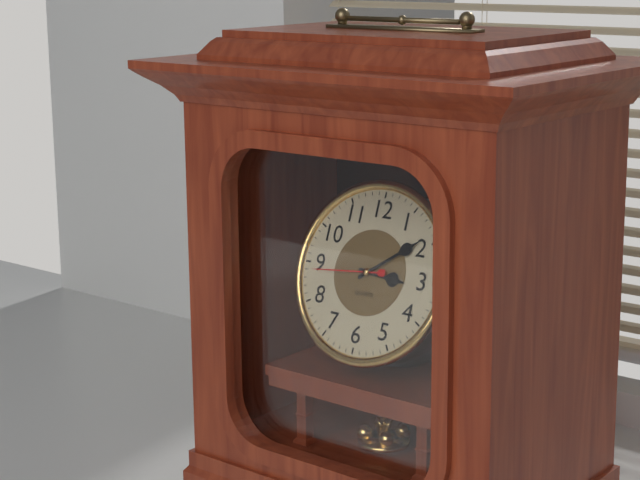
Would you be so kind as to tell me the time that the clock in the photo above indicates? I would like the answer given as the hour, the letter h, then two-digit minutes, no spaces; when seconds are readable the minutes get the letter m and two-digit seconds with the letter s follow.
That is 3h09m44s
